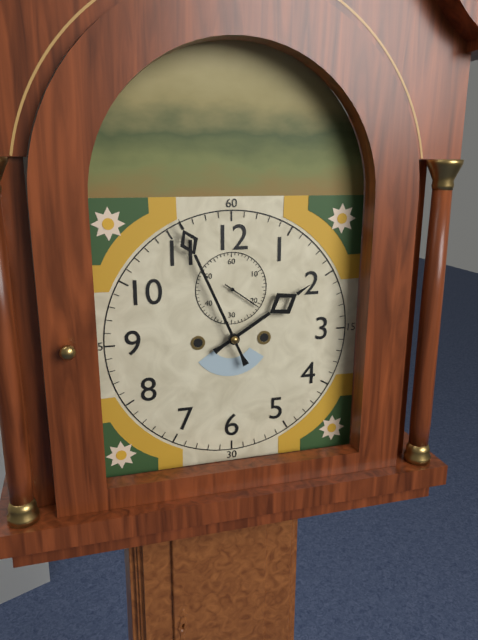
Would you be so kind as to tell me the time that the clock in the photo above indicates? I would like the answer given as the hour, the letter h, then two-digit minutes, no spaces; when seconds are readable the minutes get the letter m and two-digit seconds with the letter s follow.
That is 1h56
